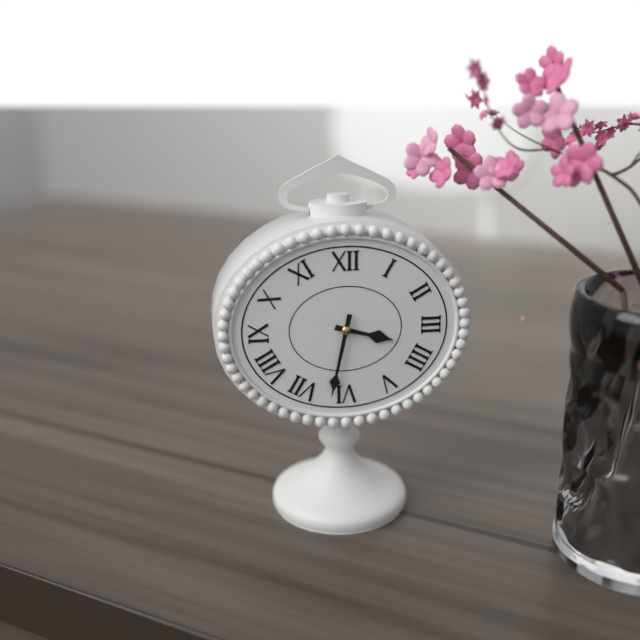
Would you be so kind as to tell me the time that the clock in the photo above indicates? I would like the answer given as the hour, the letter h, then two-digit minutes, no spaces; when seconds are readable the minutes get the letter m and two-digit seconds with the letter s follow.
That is 3h32
